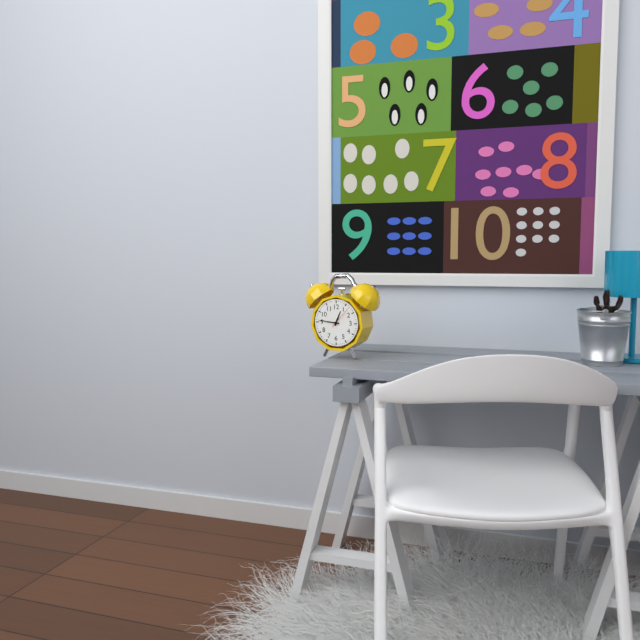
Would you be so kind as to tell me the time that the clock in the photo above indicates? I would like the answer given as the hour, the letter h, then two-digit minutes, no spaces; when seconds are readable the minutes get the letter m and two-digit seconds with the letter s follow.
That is 12h46
